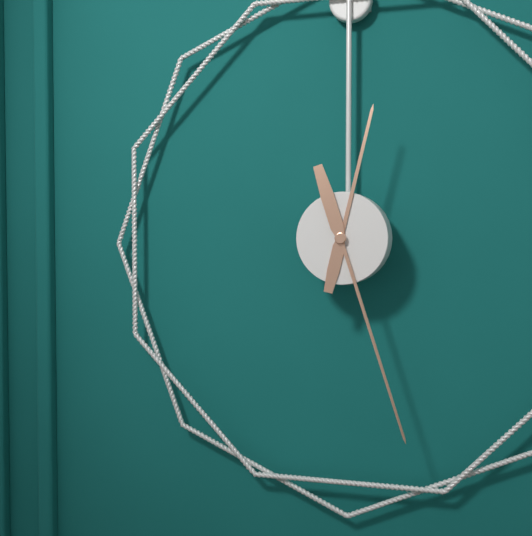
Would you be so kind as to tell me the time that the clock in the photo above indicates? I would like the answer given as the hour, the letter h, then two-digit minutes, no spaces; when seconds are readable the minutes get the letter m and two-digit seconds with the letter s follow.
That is 12h27
